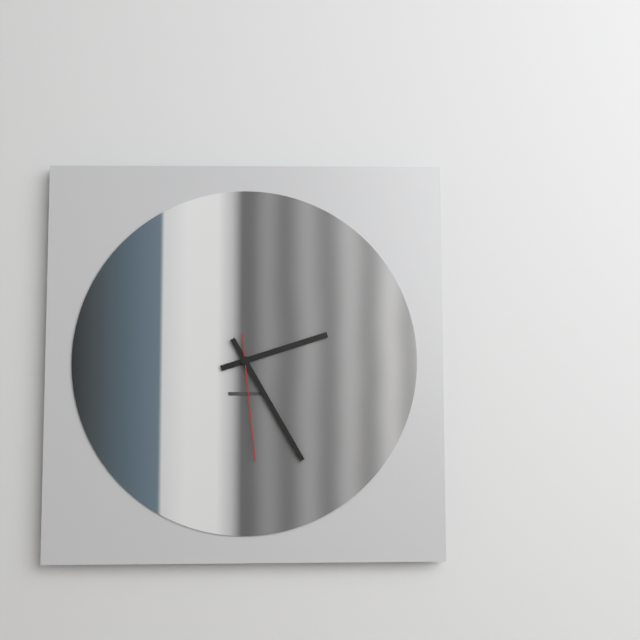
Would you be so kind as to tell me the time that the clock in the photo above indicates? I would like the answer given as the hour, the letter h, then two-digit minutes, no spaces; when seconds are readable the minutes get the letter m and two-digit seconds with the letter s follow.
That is 2h25m29s
